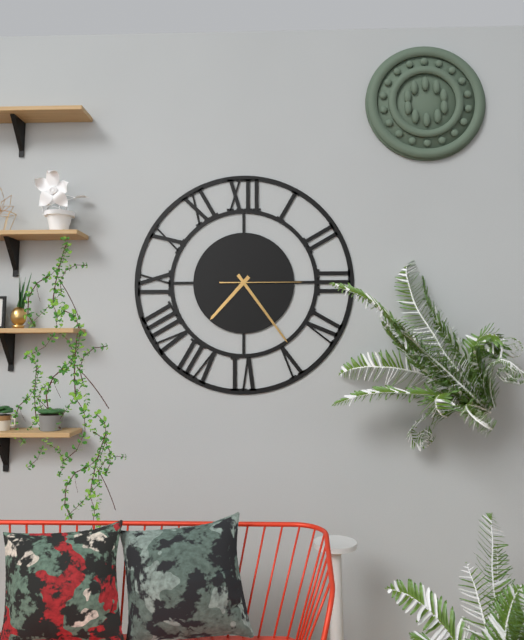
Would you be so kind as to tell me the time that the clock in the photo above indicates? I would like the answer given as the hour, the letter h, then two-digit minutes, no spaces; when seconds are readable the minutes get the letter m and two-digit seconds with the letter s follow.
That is 7h24m15s
